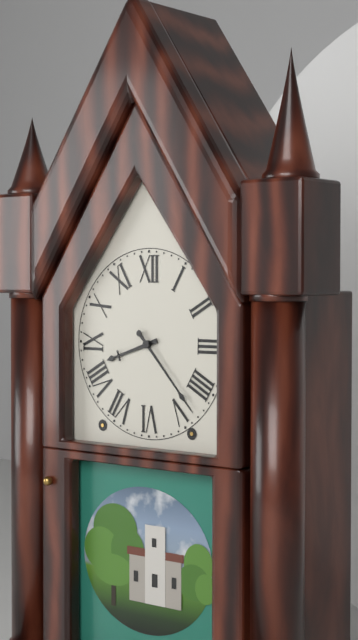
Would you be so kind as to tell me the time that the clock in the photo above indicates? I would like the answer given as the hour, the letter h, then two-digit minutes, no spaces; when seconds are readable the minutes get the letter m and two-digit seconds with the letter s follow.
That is 8h23
